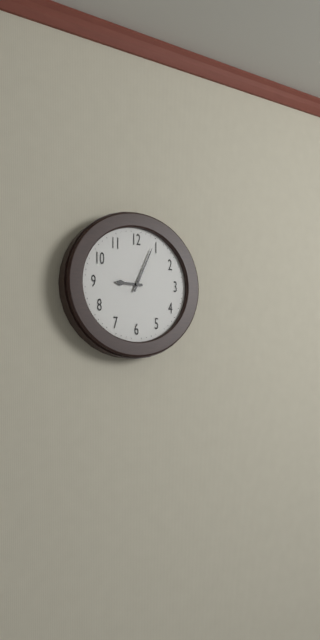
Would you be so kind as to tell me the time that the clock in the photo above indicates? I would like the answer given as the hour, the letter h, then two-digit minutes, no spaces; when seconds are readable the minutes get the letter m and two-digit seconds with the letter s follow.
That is 9h04
